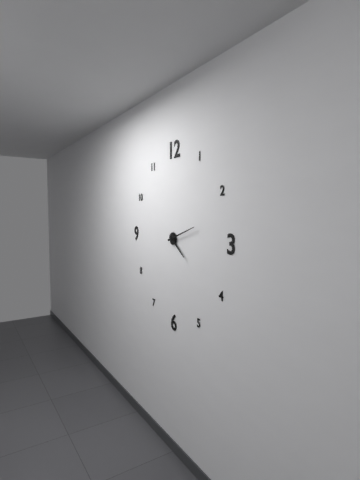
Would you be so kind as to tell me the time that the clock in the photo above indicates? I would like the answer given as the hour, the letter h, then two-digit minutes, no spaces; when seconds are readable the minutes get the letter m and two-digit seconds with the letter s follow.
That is 4h12
